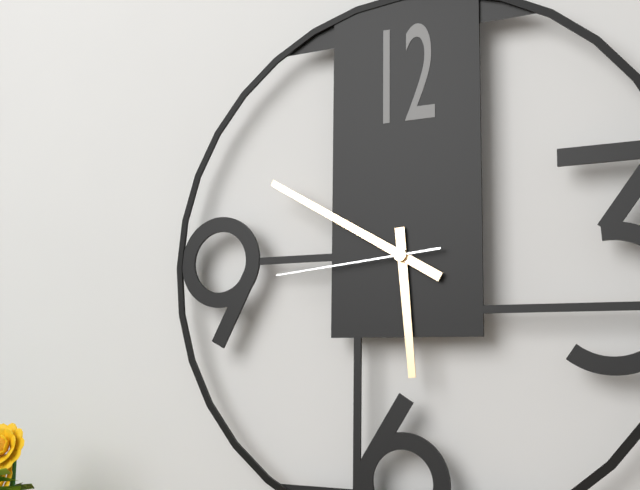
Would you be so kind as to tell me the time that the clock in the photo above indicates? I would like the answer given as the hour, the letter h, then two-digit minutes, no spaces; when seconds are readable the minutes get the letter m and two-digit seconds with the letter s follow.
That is 5h50m44s
